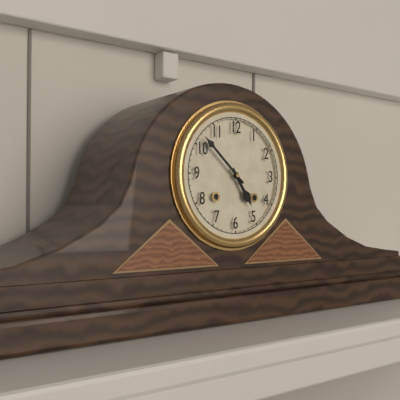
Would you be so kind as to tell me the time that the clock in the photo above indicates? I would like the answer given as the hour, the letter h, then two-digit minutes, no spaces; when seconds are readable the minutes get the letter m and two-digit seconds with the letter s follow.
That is 4h52
